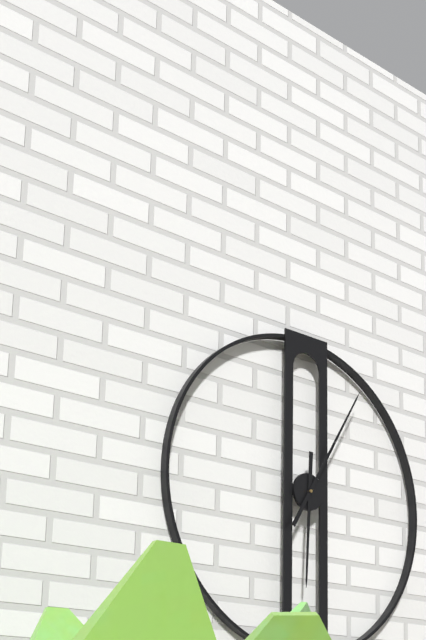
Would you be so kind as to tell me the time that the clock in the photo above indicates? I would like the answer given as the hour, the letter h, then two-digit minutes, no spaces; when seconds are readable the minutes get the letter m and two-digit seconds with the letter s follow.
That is 6h05
